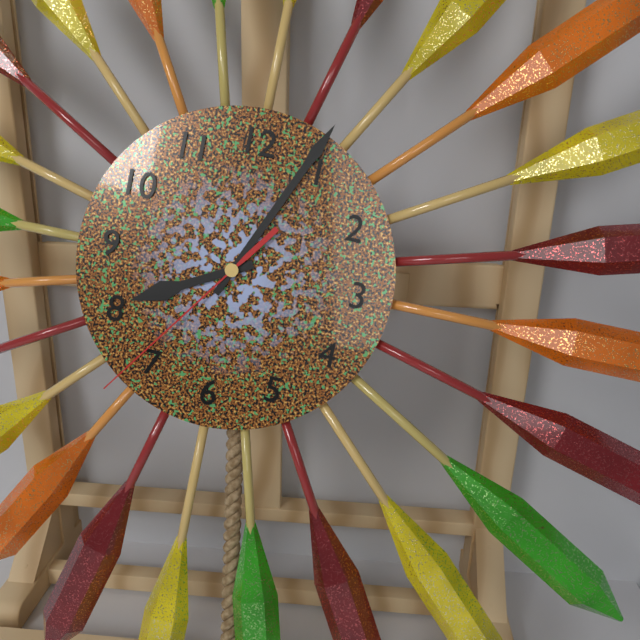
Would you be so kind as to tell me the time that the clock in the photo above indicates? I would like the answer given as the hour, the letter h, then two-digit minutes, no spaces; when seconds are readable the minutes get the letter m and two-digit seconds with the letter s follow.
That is 8h04m36s
